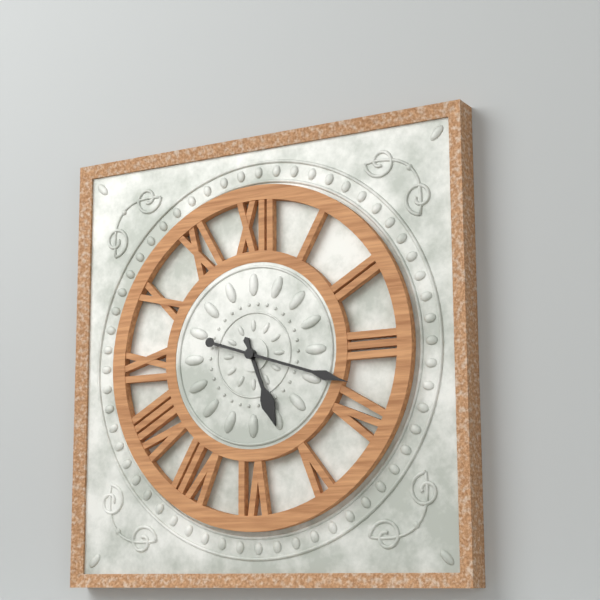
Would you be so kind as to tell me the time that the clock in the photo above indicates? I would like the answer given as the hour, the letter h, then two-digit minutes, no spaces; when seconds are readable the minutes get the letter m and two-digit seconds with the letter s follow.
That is 5h18
